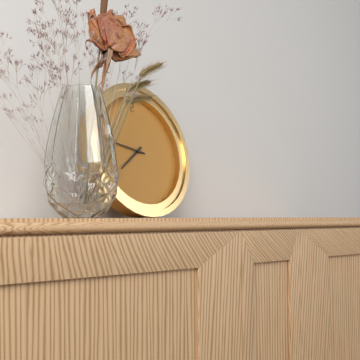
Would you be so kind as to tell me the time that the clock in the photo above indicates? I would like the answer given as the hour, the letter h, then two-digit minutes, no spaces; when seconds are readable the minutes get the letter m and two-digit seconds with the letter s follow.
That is 7h47
